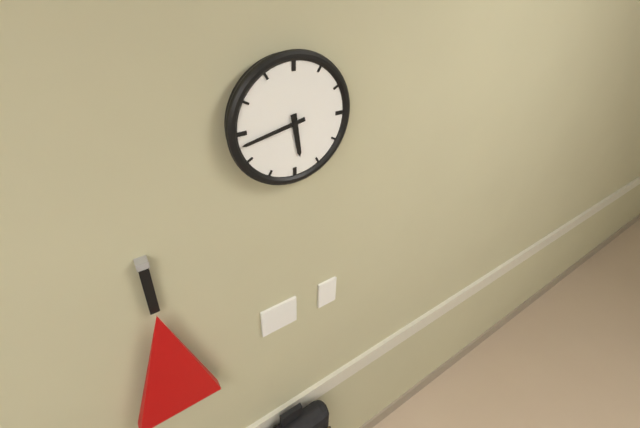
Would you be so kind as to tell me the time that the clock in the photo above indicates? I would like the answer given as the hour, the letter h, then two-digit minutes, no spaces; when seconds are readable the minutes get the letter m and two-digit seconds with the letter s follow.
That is 5h43
